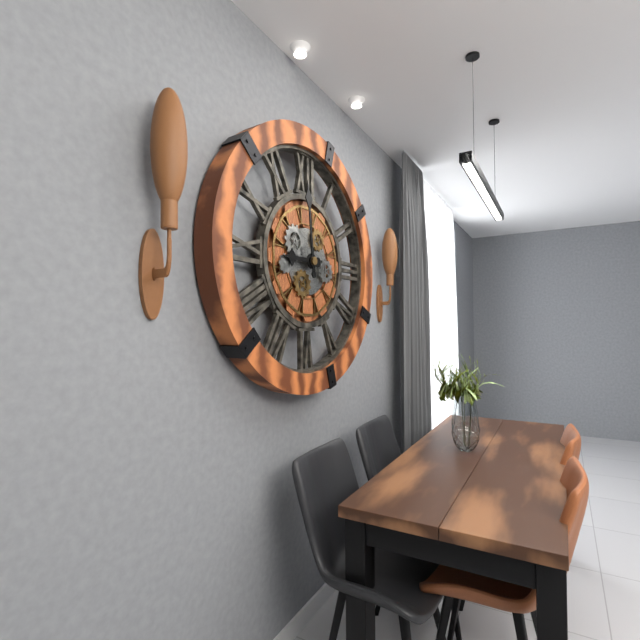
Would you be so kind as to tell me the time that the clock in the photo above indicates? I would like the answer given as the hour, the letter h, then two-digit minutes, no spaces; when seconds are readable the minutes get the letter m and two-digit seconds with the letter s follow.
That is 8h59
